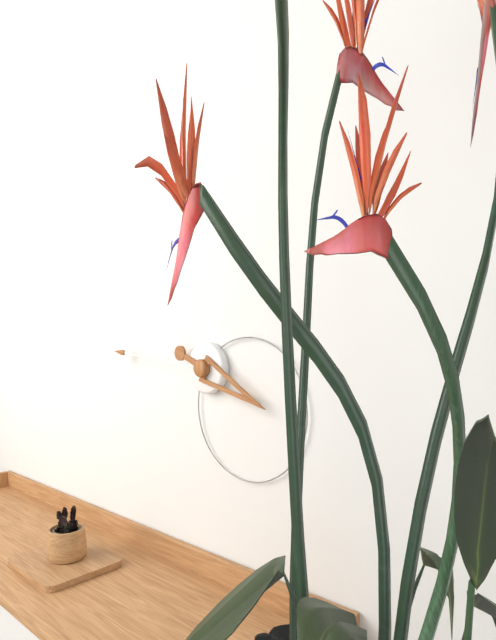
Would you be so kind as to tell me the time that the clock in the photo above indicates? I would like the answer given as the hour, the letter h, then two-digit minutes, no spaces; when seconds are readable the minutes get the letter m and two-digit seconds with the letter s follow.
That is 3h46
